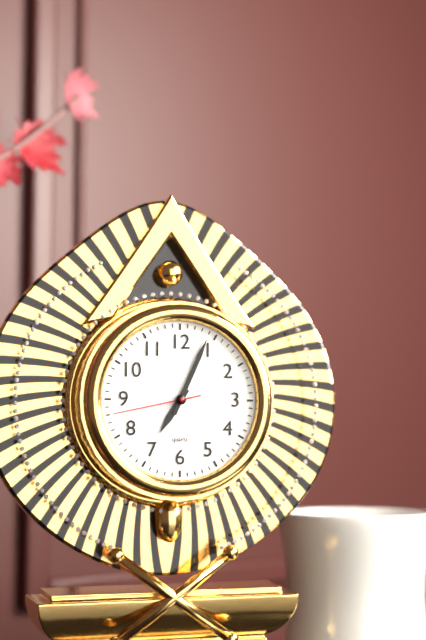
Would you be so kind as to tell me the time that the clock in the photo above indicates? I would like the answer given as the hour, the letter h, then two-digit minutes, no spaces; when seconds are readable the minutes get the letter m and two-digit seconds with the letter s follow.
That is 7h04m43s
